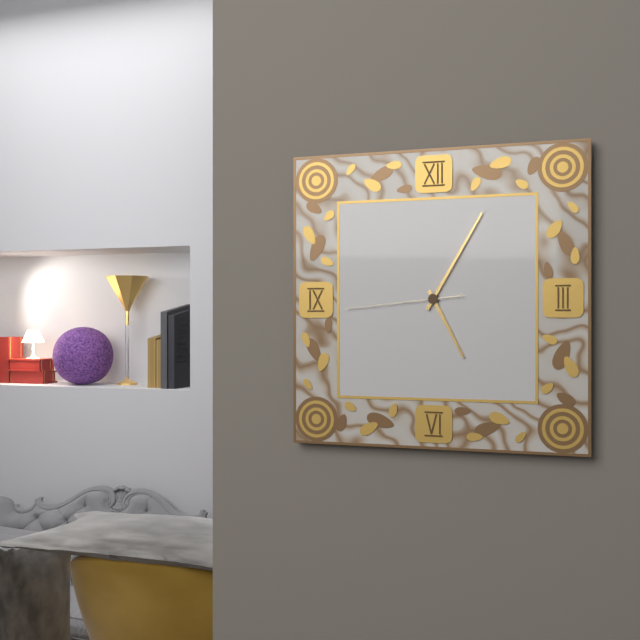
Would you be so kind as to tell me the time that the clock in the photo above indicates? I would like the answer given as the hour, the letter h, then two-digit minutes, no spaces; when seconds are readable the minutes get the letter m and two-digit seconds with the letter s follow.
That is 5h05m44s
